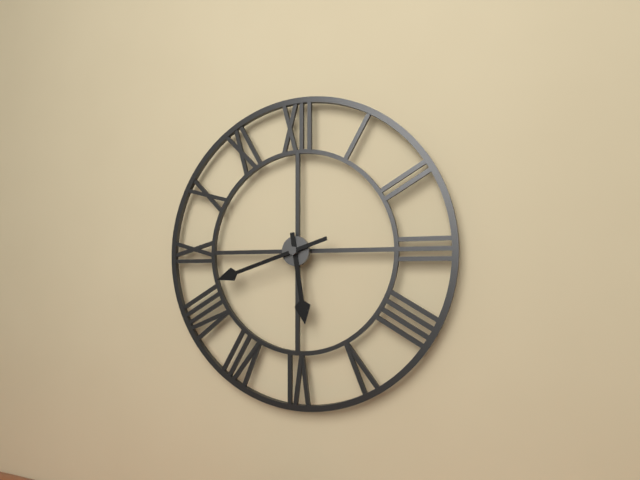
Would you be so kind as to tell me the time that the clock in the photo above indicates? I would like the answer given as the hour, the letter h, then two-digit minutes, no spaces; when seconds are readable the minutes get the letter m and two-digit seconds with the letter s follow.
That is 5h42
